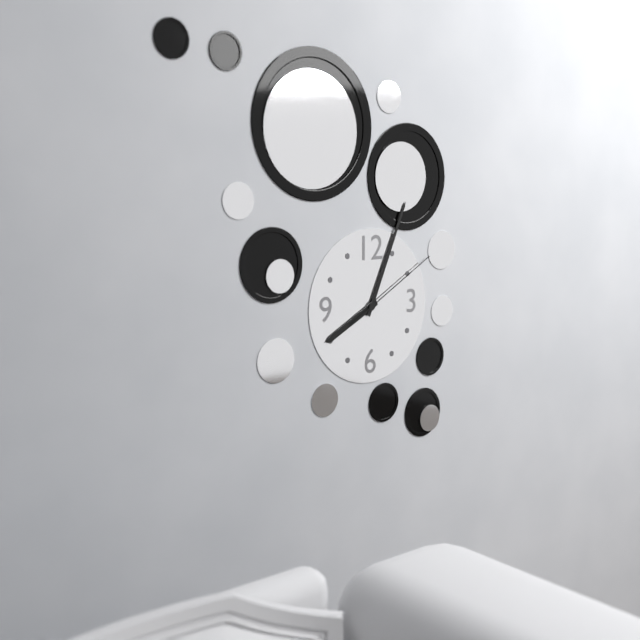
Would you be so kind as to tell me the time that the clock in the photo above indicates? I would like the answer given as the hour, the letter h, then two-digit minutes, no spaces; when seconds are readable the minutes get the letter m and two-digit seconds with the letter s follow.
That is 8h04m10s
